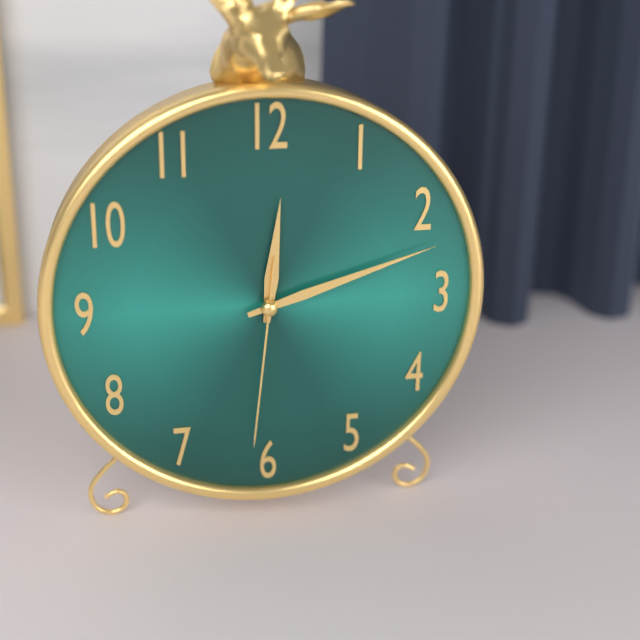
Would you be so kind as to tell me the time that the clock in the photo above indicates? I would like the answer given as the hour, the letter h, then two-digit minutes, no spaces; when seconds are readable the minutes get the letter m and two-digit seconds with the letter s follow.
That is 12h12m31s
